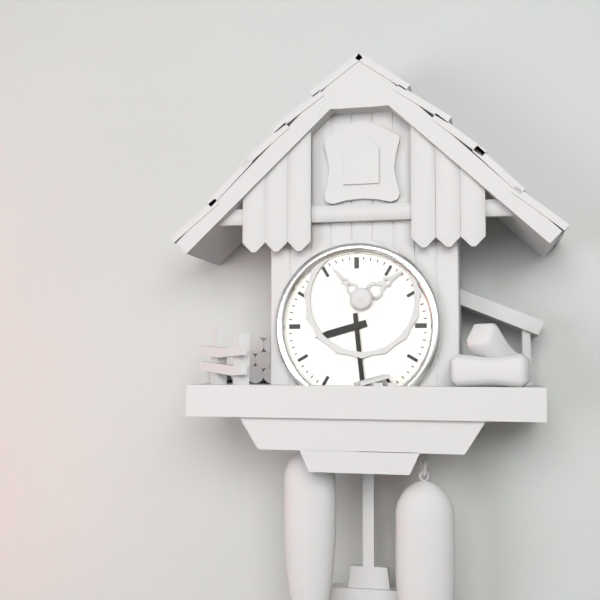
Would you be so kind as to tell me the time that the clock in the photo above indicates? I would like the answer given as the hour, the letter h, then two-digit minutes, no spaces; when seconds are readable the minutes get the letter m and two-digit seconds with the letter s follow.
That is 8h29
